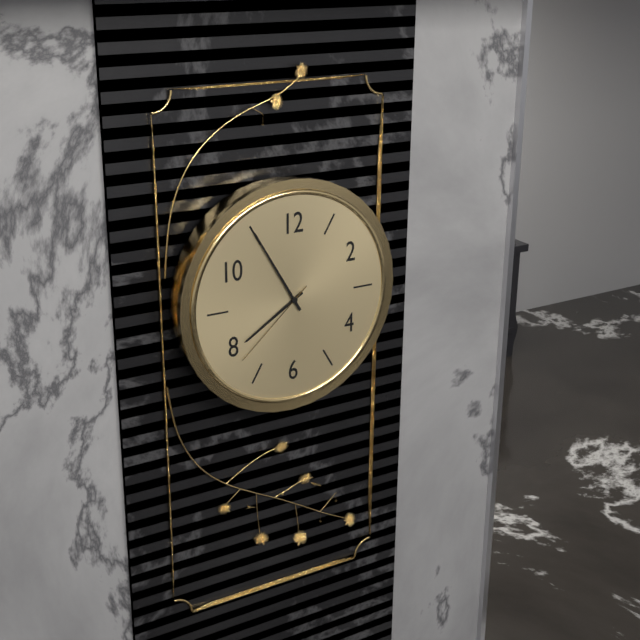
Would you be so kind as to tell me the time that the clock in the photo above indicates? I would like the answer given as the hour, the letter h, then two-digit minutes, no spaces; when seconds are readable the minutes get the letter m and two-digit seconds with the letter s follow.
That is 7h55m38s
